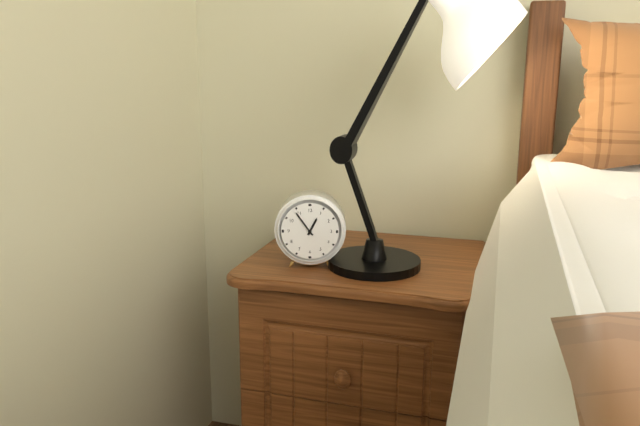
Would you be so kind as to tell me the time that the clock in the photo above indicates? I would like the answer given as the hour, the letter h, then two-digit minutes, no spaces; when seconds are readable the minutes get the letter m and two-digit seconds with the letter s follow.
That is 12h54
